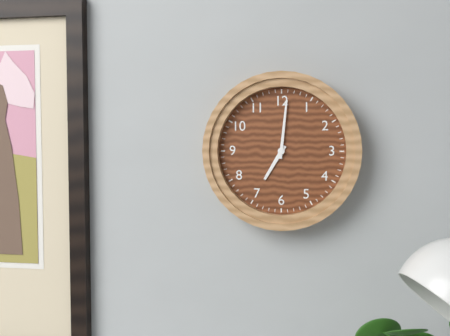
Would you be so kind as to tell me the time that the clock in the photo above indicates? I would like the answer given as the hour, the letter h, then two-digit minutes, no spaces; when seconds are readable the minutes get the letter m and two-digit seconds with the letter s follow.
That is 7h01
